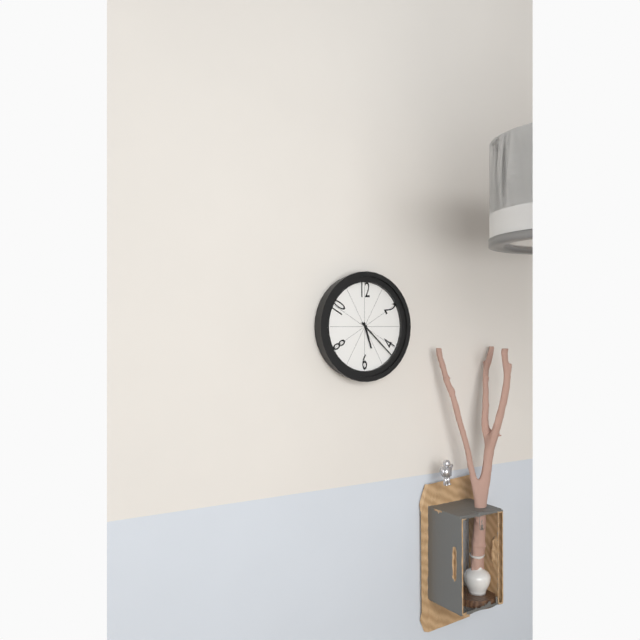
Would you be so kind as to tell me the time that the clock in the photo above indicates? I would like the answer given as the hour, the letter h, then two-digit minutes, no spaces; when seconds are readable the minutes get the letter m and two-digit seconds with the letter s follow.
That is 5h22
